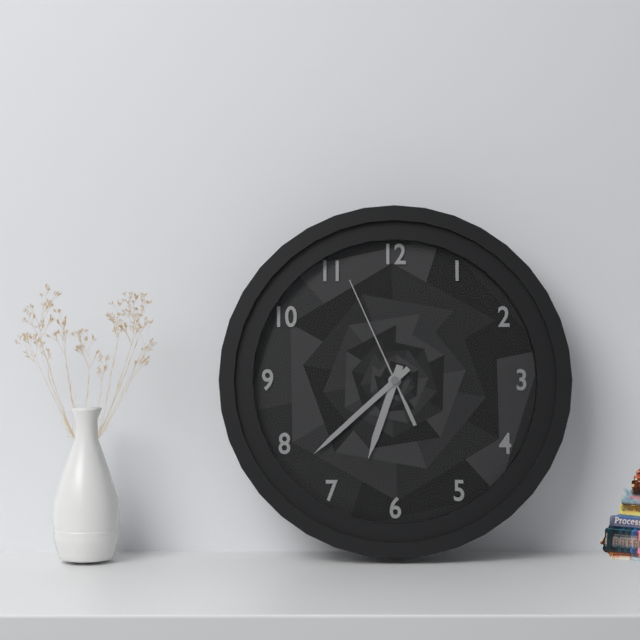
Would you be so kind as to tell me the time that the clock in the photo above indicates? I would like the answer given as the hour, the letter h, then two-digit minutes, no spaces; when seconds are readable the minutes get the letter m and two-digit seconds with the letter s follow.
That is 6h38m56s
